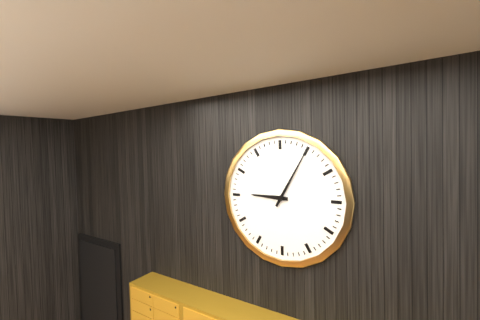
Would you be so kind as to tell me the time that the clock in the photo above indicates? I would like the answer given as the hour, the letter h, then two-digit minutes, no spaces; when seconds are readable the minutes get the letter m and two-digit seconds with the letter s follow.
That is 9h05
